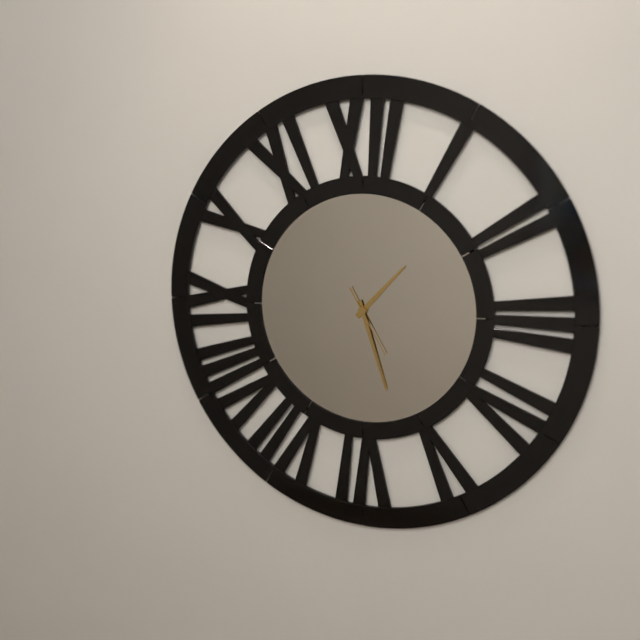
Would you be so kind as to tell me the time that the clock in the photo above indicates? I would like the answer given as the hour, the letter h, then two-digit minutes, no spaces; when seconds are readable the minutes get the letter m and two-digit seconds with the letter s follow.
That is 1h27m25s
